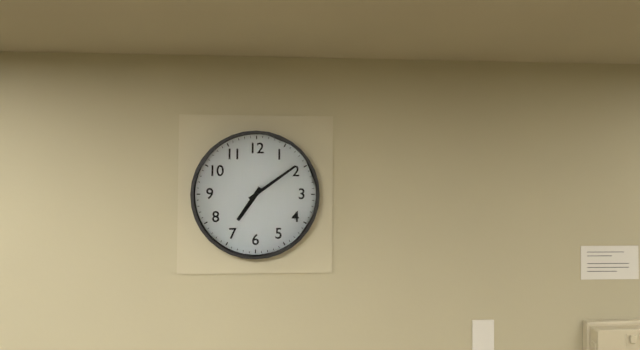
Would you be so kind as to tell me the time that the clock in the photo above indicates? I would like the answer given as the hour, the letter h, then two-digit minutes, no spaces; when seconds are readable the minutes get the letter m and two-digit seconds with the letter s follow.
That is 7h09
